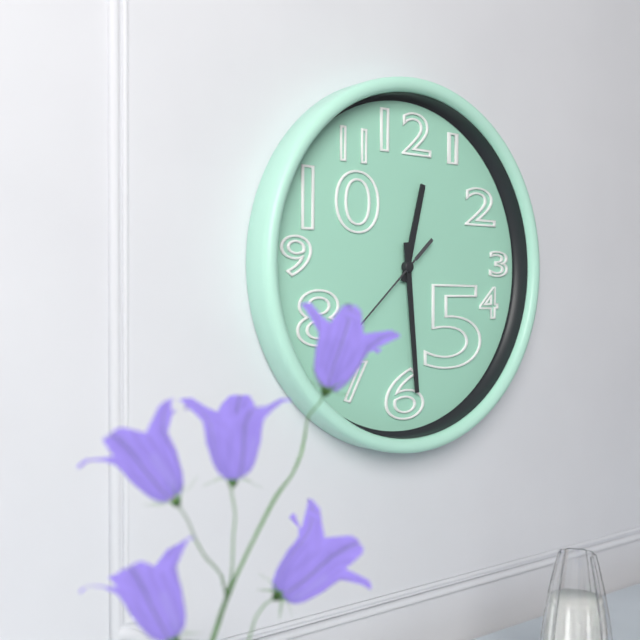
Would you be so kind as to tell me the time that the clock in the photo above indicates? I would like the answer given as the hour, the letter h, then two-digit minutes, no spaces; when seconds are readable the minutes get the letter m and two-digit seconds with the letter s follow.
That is 12h29m38s
